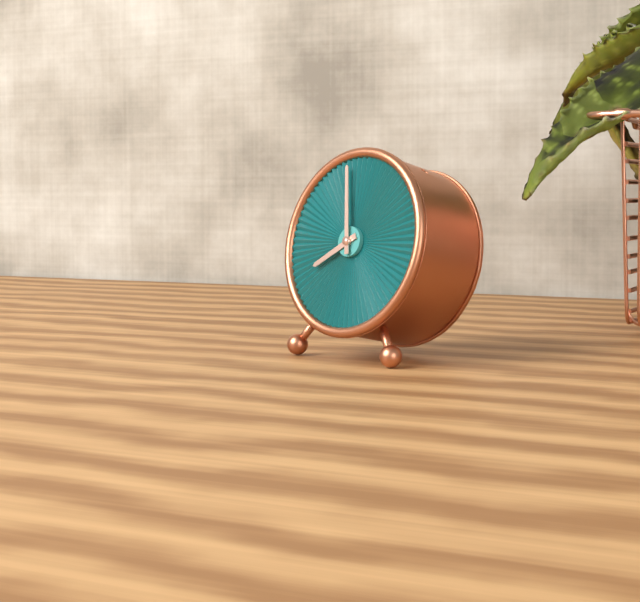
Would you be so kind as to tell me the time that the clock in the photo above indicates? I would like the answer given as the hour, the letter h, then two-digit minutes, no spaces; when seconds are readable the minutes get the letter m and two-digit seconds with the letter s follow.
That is 7h58
